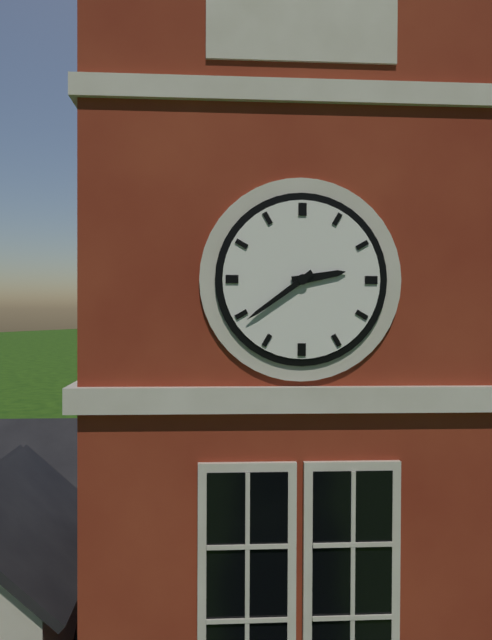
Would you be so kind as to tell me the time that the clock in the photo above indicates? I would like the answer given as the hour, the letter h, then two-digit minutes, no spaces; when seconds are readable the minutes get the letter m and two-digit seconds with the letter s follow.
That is 2h39
